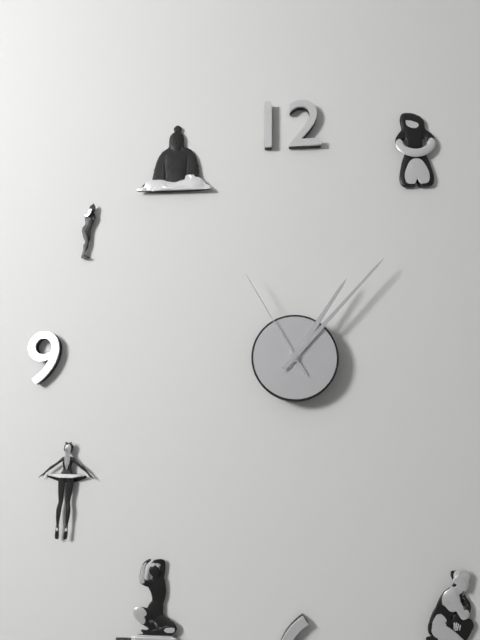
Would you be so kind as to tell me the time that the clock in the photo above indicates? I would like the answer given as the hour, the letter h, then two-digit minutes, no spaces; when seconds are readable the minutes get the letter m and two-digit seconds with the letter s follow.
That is 1h07m55s
